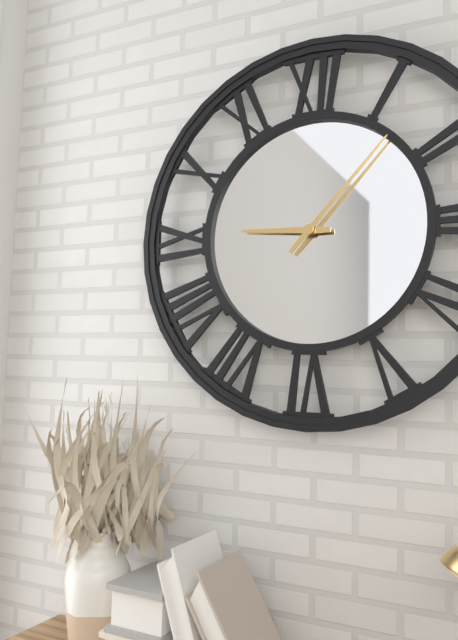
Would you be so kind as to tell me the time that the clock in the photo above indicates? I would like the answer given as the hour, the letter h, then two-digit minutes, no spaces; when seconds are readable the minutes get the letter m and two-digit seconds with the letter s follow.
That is 9h07
